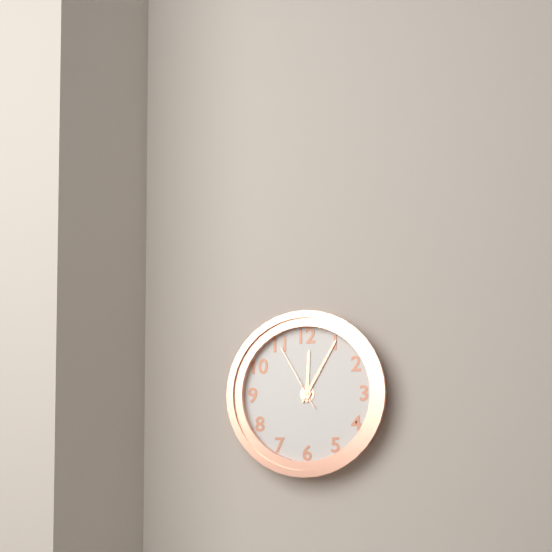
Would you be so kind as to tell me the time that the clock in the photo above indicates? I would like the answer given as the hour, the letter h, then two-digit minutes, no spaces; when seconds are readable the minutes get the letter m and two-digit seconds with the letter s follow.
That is 12h05m55s
